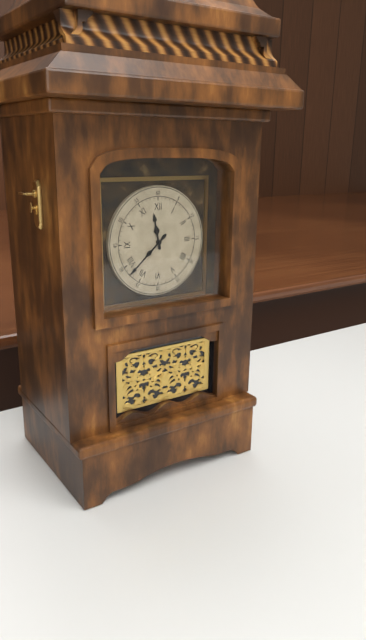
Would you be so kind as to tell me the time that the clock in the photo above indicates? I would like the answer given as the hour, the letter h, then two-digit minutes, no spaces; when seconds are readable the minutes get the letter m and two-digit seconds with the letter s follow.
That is 11h38
